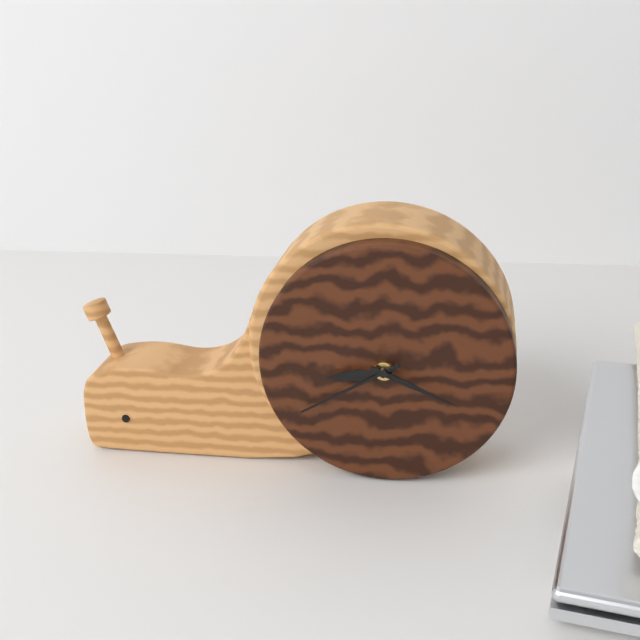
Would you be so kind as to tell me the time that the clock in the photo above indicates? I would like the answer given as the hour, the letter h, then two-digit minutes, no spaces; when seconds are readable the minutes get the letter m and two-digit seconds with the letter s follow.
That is 8h40m19s
